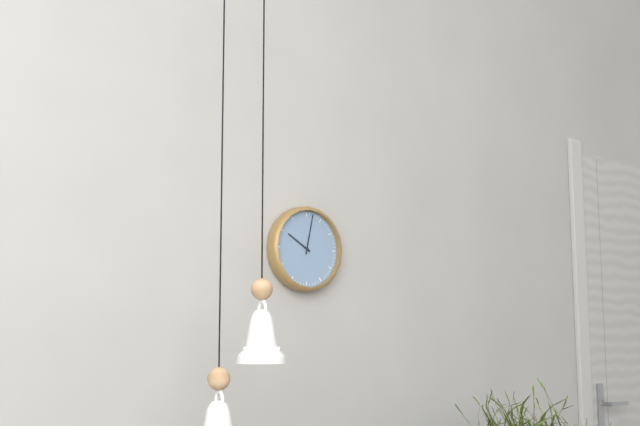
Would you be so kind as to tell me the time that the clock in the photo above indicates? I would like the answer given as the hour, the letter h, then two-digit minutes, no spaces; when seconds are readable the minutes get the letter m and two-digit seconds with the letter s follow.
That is 10h02
